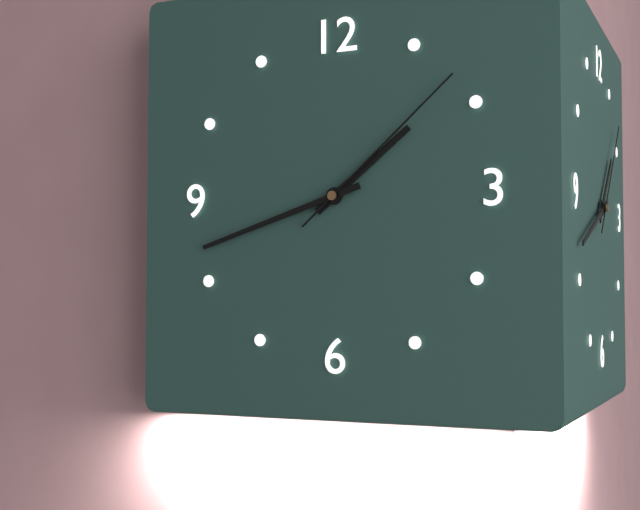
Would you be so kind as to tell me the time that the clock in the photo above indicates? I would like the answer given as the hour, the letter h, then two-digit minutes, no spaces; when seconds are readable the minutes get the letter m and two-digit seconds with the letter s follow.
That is 1h42m08s
